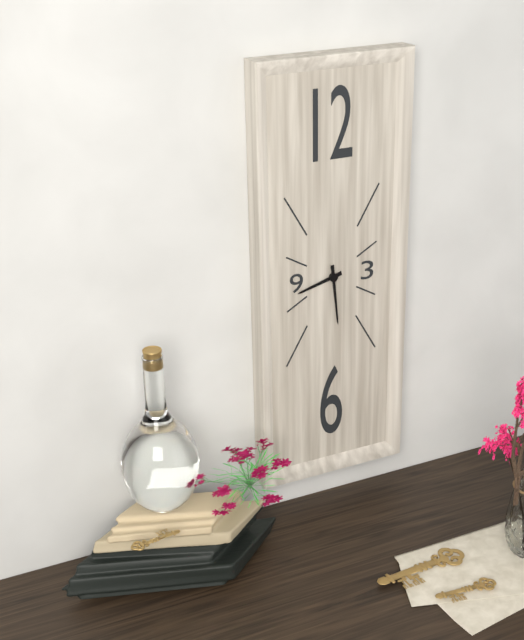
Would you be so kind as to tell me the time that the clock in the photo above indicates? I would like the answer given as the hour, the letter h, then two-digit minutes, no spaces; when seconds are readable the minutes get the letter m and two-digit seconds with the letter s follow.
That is 8h29
